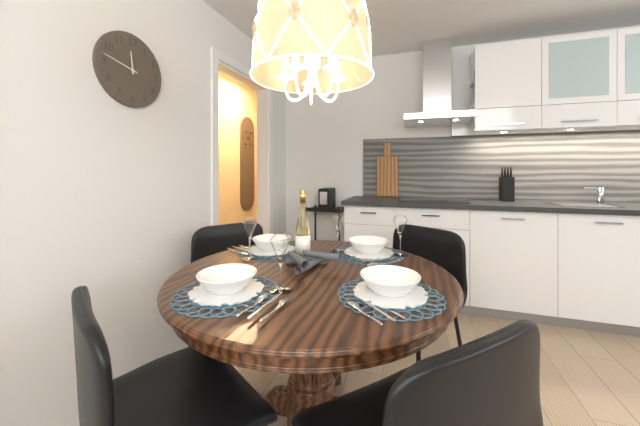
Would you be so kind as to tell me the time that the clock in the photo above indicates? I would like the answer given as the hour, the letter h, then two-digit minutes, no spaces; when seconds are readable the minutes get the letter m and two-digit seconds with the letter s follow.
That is 11h47
